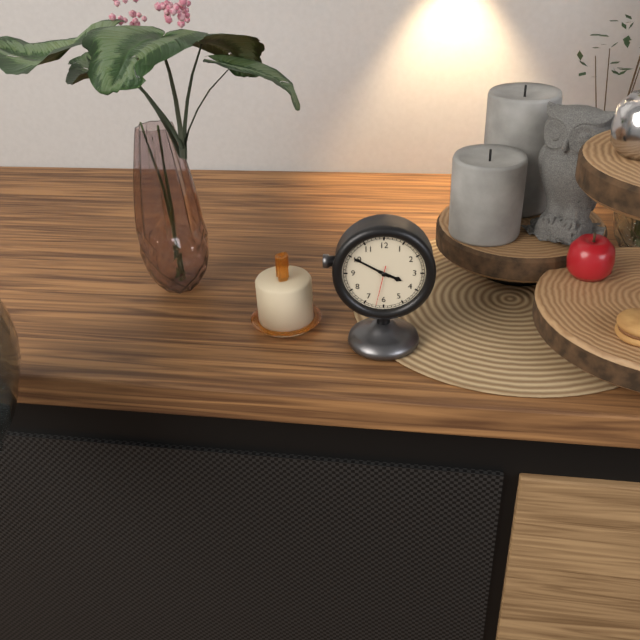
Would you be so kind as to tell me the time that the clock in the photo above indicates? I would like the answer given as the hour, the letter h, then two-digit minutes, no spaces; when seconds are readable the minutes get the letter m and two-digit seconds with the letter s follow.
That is 3h50
